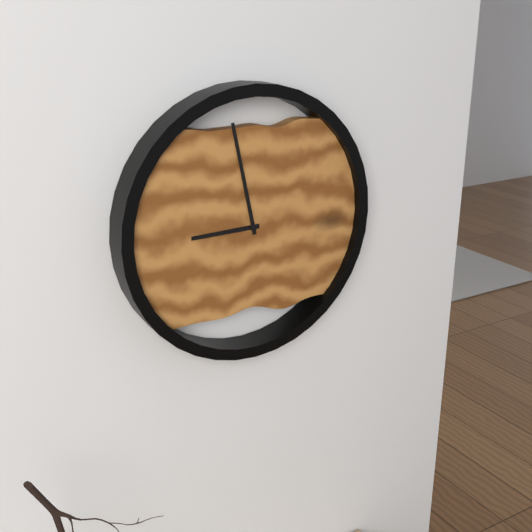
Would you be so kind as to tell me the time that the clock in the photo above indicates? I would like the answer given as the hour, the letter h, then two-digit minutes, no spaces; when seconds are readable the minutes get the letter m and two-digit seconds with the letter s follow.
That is 8h58
